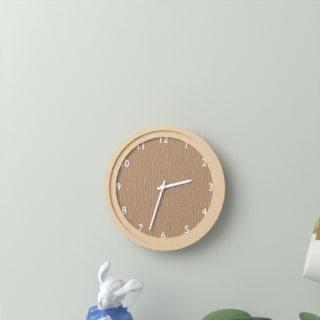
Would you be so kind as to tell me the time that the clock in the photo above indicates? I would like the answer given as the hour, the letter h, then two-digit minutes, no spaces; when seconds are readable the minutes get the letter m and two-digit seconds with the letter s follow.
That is 2h33
